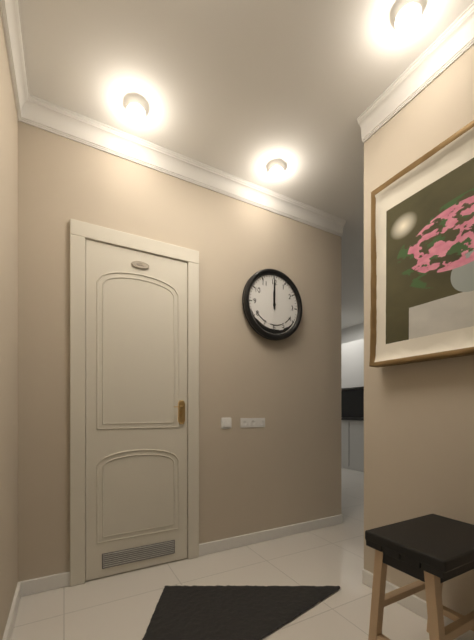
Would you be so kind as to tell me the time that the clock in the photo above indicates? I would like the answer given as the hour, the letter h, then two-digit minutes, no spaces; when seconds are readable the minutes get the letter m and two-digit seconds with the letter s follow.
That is 12h00
